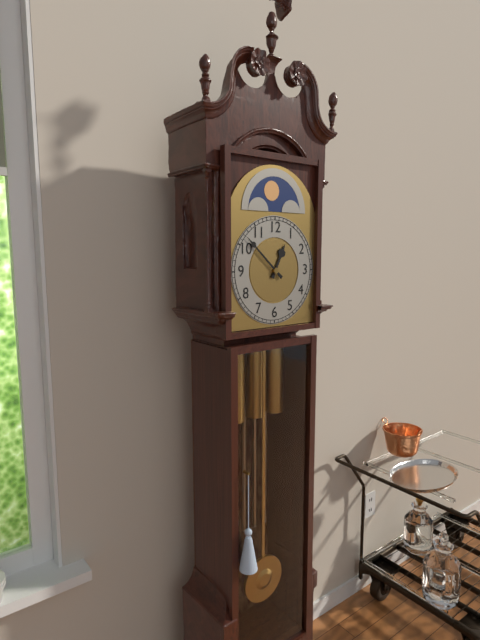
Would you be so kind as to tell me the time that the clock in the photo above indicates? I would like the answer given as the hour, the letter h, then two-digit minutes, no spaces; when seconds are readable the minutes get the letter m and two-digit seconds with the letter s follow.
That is 12h52
